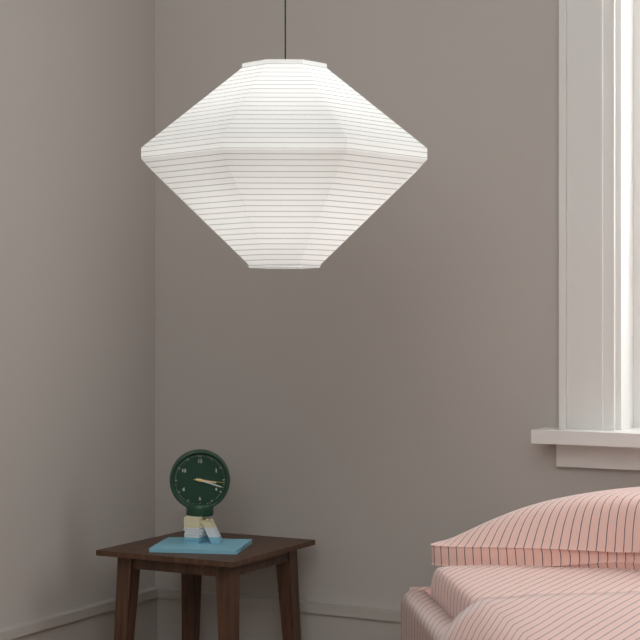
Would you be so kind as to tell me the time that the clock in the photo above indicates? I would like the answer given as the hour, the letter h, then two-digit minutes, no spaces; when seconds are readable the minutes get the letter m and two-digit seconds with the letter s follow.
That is 3h18
